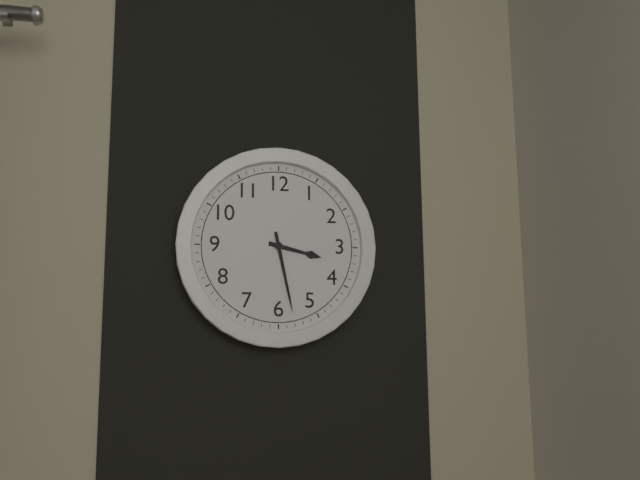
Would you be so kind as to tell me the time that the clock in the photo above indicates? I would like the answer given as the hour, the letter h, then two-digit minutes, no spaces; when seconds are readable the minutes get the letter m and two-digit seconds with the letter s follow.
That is 3h28
